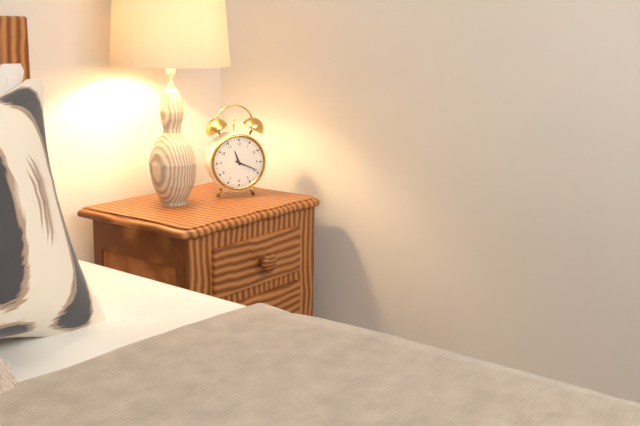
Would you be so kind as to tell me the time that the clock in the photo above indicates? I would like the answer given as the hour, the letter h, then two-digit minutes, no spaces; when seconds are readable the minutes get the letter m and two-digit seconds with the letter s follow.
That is 11h19
